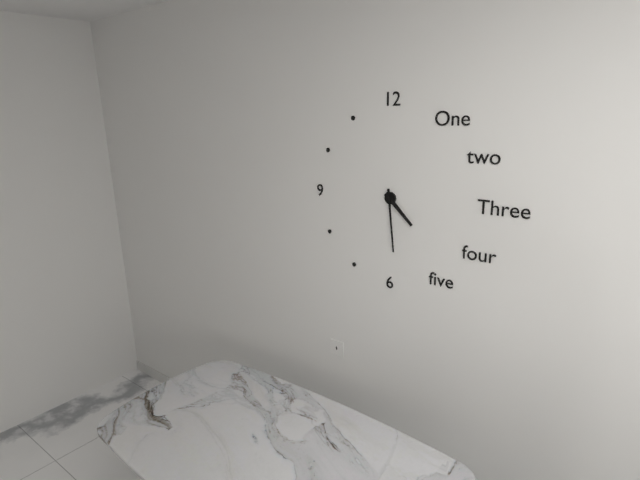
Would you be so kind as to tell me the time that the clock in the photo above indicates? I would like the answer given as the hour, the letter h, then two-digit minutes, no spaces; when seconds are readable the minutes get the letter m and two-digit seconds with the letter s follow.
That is 4h29
